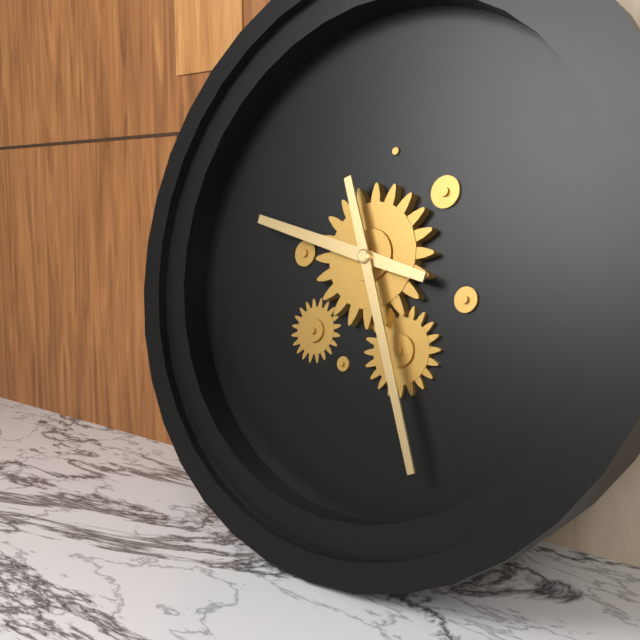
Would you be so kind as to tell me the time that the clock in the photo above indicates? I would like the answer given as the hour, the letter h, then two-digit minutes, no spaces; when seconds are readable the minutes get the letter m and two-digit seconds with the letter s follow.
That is 9h26
